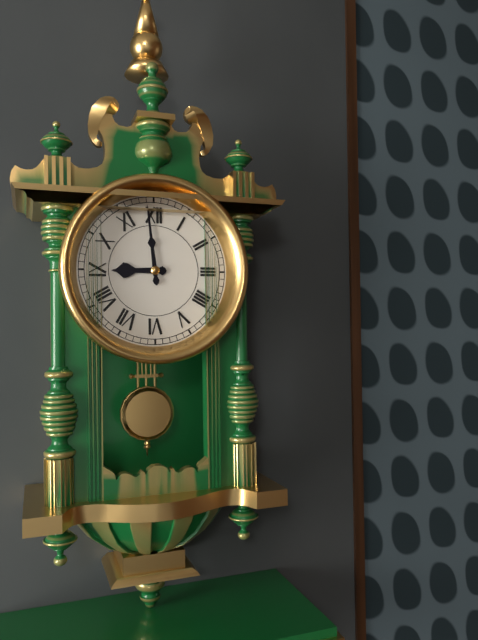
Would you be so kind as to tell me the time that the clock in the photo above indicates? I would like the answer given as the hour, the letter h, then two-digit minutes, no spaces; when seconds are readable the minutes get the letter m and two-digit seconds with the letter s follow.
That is 8h59
